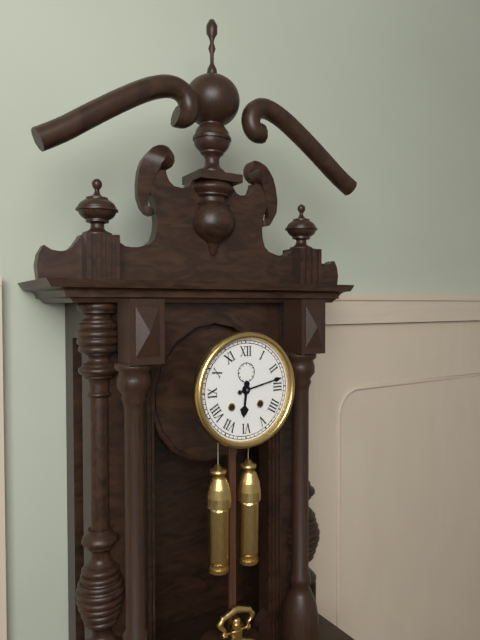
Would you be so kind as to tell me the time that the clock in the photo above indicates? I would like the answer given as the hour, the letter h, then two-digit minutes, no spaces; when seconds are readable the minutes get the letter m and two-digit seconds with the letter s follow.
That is 6h13
